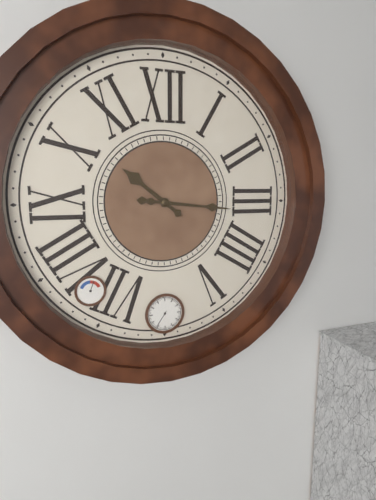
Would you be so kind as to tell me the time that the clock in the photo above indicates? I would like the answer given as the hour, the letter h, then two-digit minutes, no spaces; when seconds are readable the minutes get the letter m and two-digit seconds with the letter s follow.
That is 10h16
